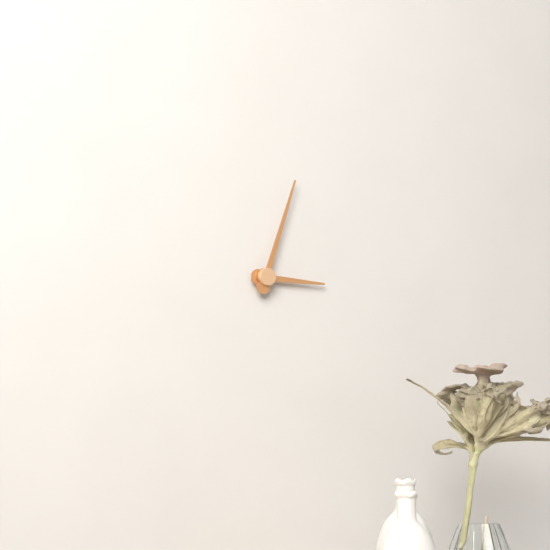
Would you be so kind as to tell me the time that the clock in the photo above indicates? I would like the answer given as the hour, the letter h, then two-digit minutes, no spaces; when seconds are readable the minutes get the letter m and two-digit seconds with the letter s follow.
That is 3h03
